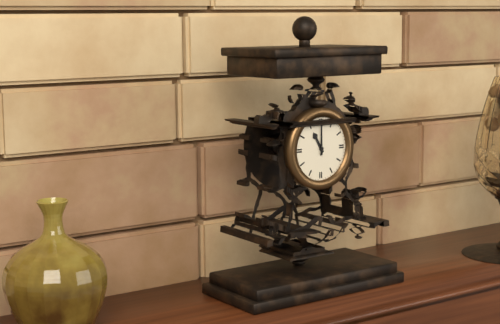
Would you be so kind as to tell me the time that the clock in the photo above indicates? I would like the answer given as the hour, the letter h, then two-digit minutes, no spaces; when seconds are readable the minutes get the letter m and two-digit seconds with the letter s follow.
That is 11h00
